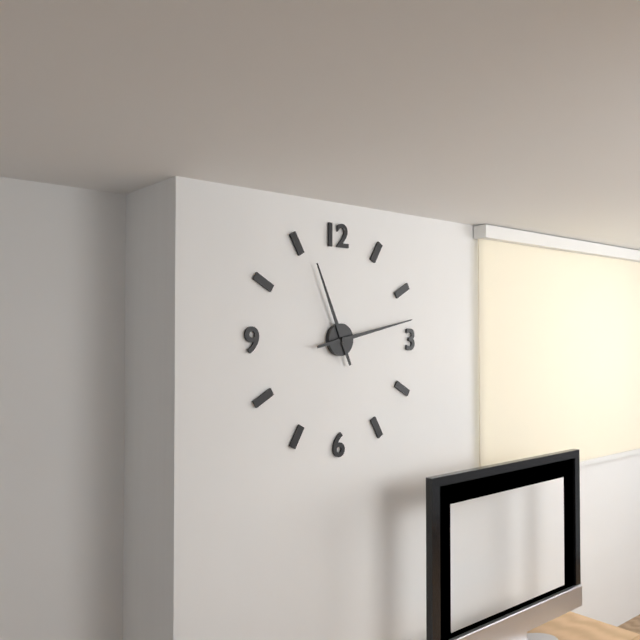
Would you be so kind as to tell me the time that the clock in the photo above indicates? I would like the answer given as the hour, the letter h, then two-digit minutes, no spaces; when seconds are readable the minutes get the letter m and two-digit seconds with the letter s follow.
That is 11h13
